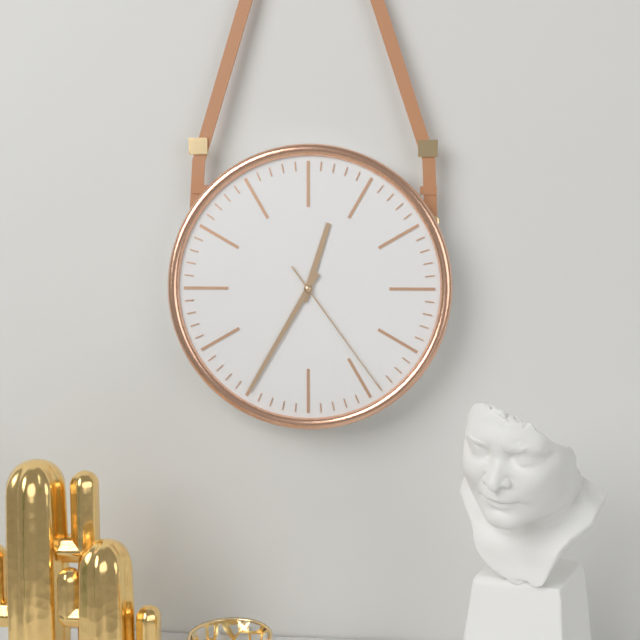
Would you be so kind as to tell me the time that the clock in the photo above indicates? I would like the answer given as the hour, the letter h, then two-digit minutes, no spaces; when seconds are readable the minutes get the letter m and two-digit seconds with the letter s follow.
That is 12h35m24s
